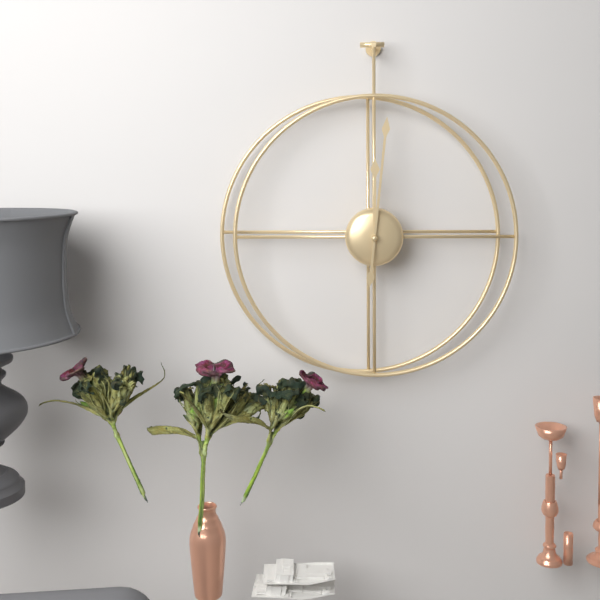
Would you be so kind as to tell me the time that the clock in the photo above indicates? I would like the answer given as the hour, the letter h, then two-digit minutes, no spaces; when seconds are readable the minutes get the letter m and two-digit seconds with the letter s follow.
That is 12h01
